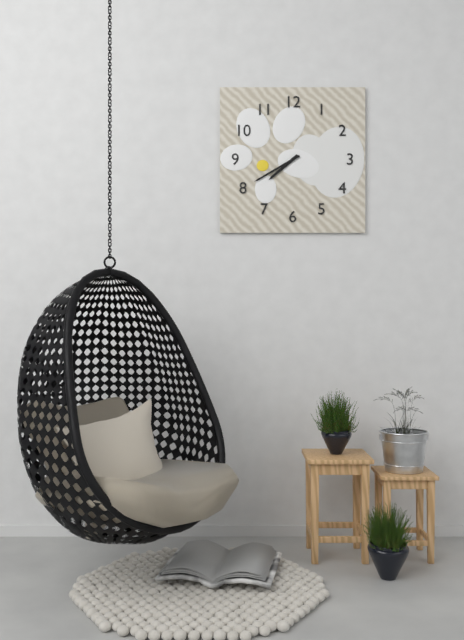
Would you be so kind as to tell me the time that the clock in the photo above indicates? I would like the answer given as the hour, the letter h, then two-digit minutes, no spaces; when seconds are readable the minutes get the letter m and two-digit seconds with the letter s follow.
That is 7h40
